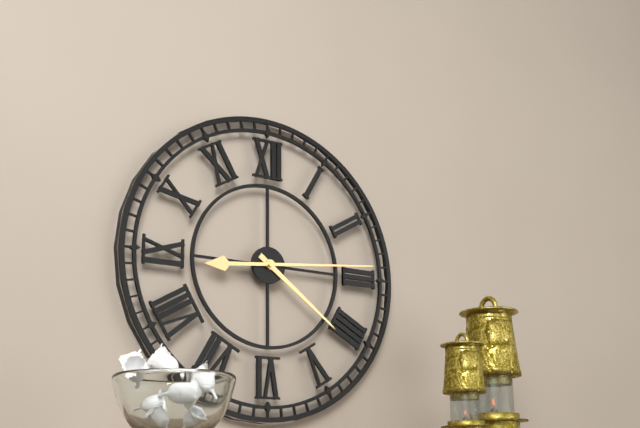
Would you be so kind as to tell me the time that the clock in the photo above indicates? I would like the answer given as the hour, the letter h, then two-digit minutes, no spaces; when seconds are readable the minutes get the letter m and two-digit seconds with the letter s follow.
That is 4h14
